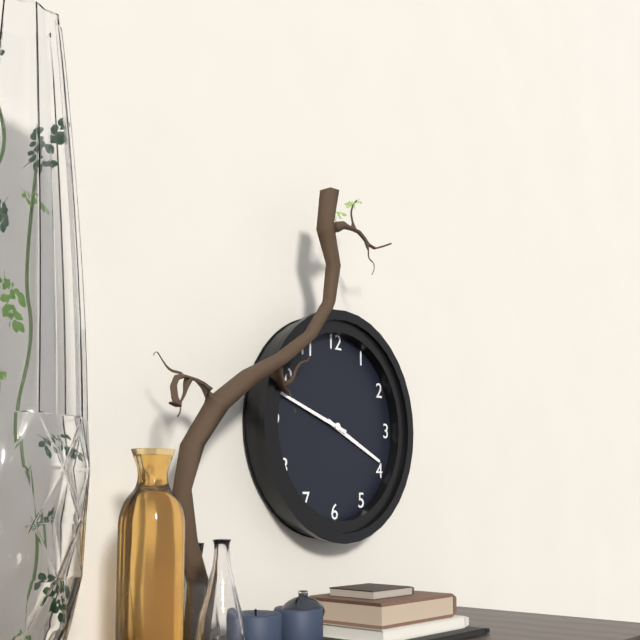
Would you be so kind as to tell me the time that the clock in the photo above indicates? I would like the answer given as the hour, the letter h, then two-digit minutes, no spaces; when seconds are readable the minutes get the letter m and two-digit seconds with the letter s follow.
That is 3h48
